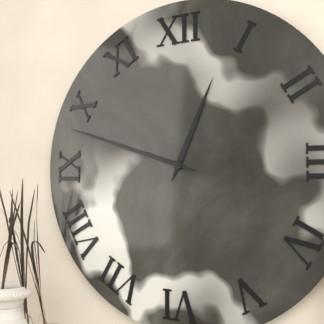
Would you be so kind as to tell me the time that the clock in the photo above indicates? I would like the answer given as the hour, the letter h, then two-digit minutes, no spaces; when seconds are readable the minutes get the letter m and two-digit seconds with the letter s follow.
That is 12h48
